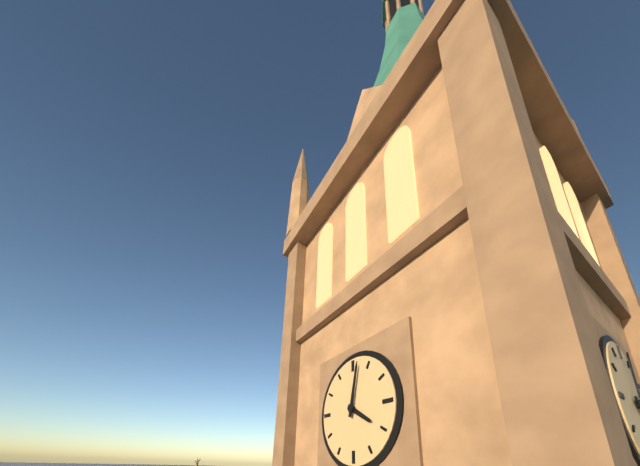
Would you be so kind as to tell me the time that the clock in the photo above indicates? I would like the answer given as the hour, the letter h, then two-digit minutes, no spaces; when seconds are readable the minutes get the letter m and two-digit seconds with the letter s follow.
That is 4h02
